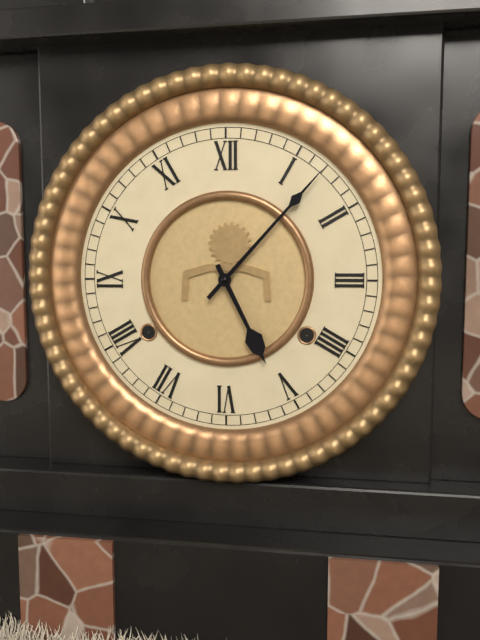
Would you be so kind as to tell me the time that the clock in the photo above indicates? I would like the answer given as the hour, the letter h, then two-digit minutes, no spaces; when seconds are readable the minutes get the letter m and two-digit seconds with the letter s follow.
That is 5h07
